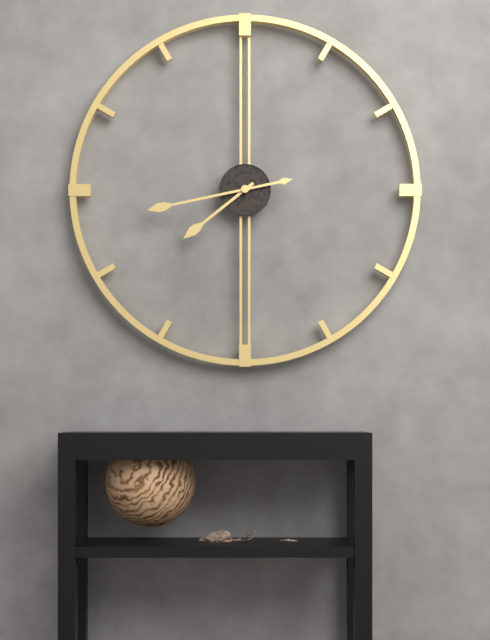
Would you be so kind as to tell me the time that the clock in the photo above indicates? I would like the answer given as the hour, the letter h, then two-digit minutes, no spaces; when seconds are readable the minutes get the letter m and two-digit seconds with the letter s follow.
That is 7h43
